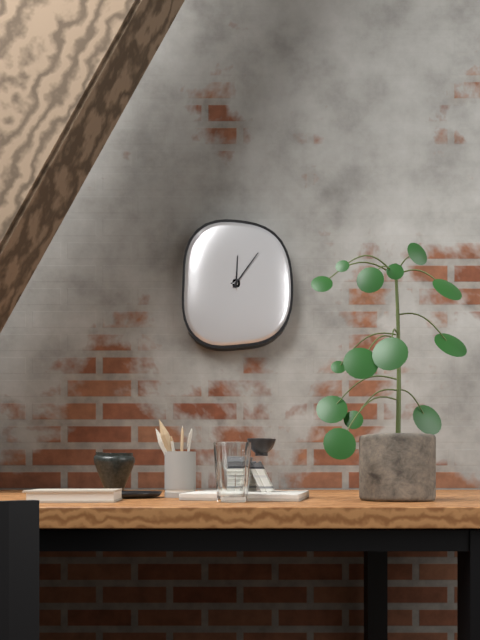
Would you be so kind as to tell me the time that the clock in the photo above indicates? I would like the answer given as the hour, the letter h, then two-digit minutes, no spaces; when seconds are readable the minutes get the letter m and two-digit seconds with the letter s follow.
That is 12h06
